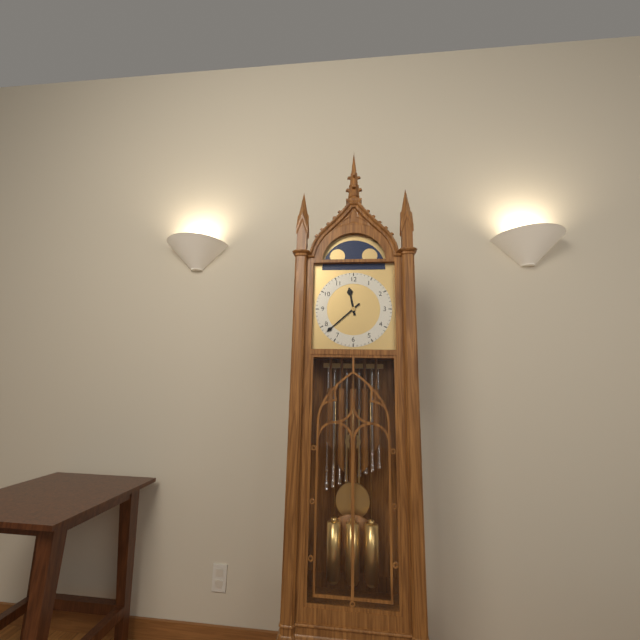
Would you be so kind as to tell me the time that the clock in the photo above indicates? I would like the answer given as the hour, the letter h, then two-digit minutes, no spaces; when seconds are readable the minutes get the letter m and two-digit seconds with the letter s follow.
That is 11h38
